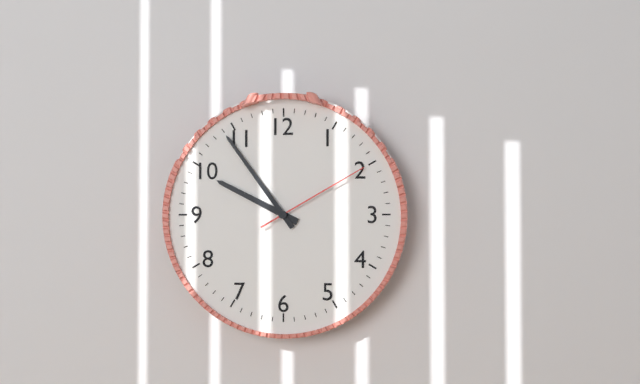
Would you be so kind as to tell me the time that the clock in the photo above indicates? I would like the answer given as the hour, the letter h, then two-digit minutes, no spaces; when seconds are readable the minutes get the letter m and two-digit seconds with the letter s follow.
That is 9h54m10s
